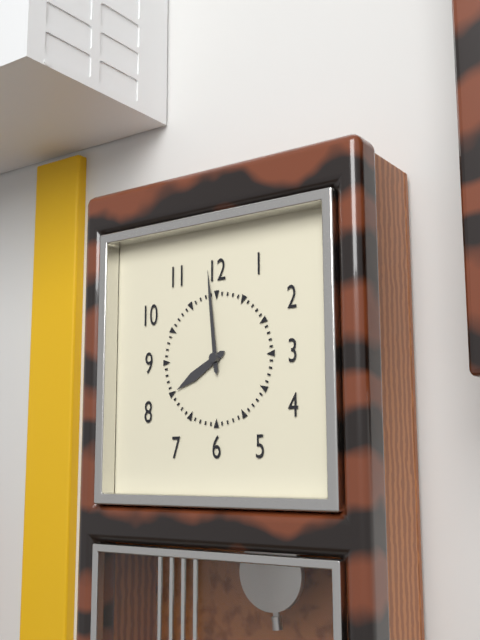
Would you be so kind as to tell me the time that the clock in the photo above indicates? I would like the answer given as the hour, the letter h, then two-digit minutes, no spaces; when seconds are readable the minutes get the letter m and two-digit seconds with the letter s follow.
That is 7h59
